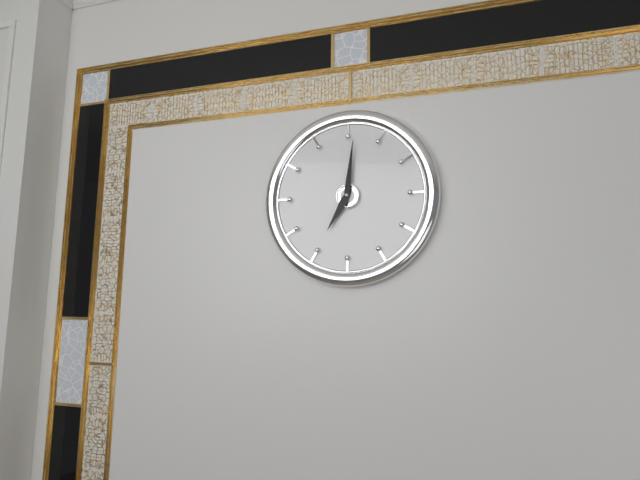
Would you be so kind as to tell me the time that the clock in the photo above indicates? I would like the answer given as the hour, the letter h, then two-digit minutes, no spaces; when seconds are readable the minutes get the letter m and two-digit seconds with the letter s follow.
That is 7h01
